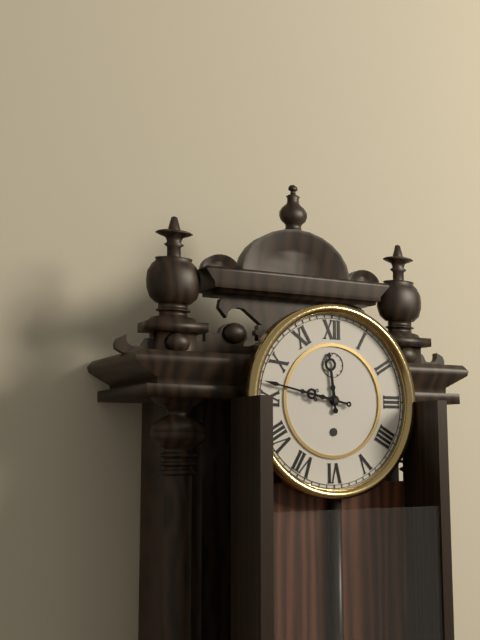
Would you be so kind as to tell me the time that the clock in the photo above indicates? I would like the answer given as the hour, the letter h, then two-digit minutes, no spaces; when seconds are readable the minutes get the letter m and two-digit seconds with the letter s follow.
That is 11h47
